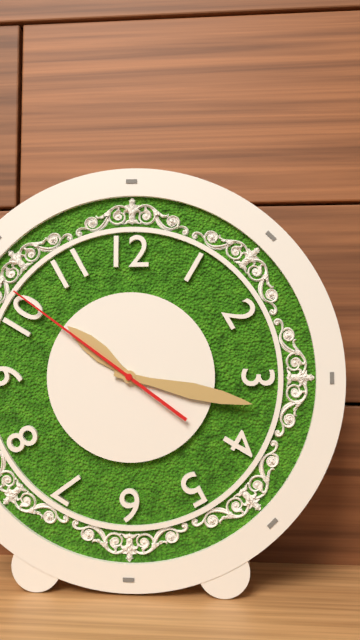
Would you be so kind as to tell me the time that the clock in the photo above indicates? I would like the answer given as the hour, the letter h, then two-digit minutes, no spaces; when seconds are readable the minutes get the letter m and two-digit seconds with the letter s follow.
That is 10h17m51s
